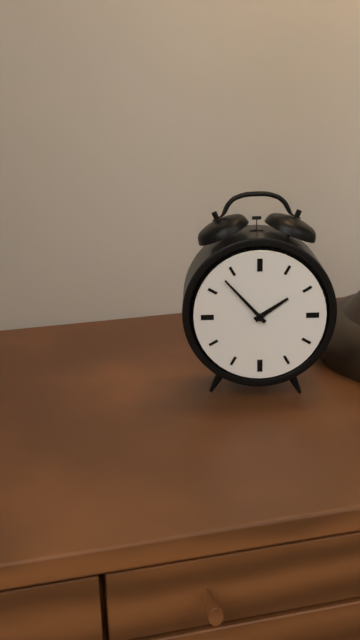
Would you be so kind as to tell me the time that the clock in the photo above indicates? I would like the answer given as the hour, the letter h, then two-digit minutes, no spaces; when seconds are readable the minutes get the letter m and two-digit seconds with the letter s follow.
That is 1h53
